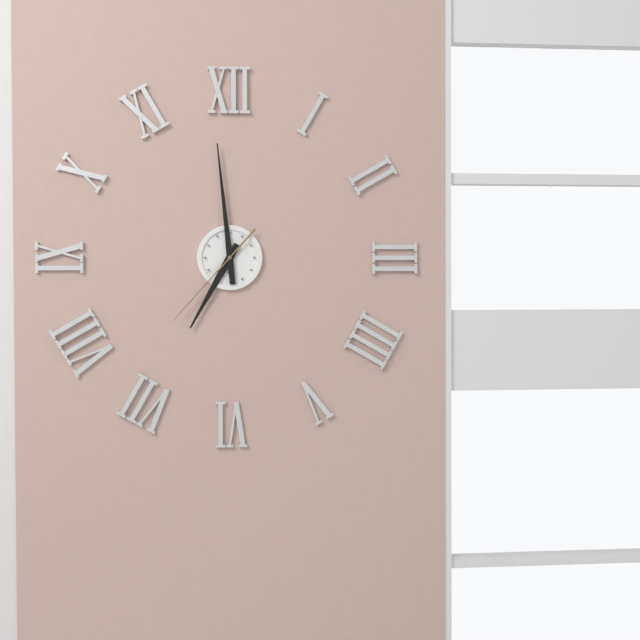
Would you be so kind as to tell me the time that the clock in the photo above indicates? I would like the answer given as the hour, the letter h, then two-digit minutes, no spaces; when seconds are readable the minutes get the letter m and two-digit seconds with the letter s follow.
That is 6h59m37s
